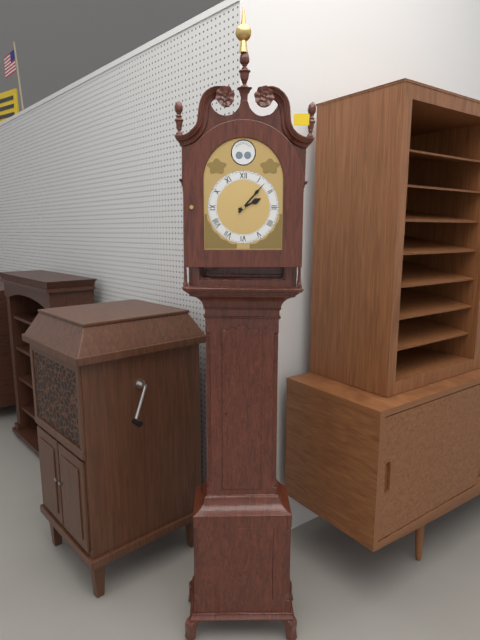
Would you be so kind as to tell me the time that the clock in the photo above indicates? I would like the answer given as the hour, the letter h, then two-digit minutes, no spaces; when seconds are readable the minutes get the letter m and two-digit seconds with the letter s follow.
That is 2h07
